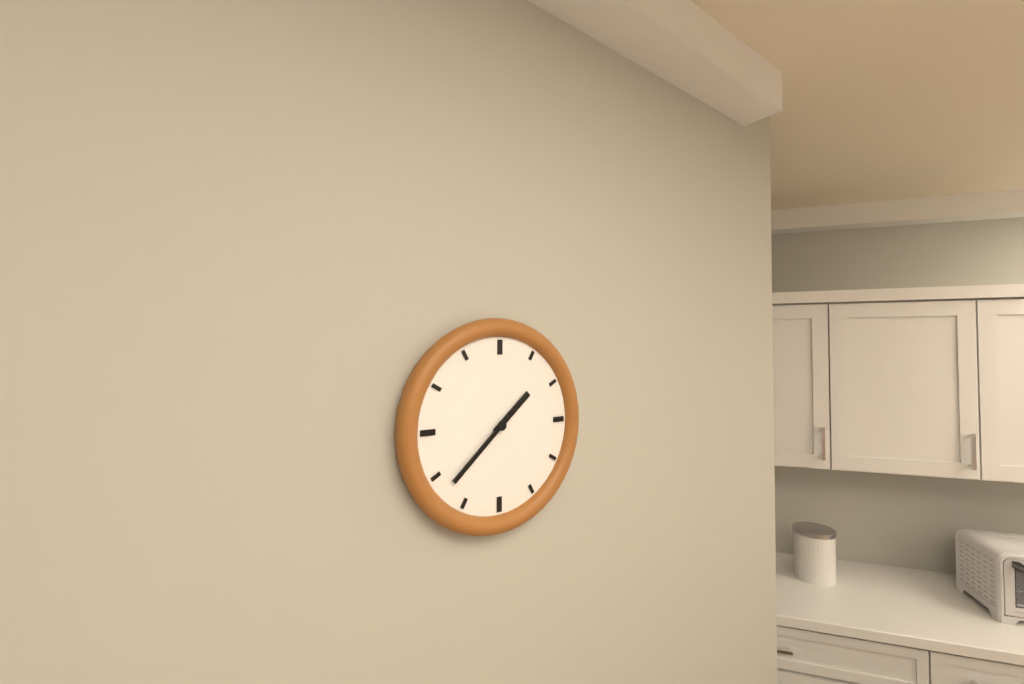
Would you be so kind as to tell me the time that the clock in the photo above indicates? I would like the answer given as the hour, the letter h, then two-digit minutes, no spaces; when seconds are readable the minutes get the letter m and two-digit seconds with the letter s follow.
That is 1h38
